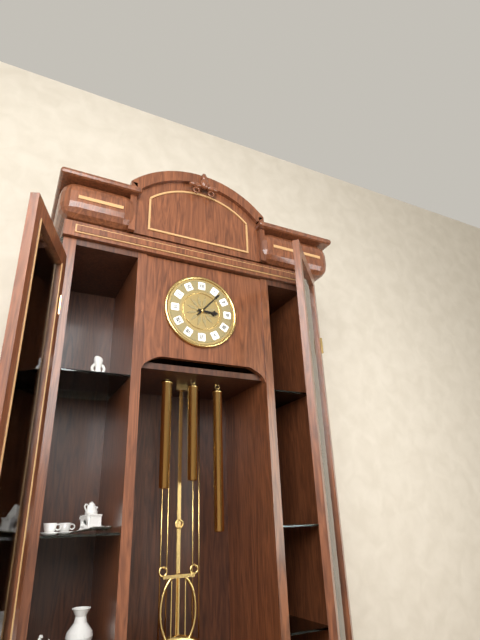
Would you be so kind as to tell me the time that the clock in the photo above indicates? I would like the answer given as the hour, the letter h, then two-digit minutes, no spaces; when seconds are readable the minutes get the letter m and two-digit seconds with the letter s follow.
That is 3h07
